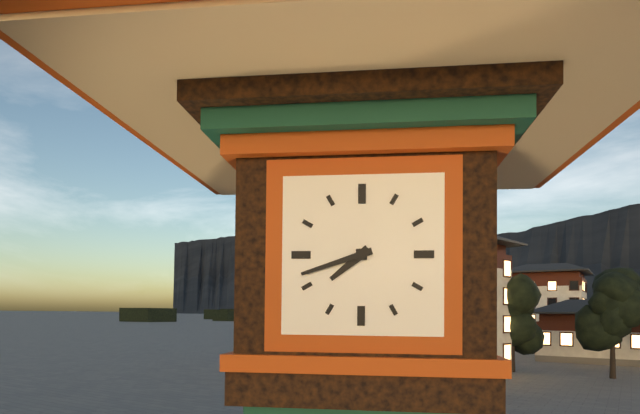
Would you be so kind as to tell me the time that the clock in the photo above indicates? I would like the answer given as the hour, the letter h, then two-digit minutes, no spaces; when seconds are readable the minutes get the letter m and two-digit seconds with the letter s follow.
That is 7h42
